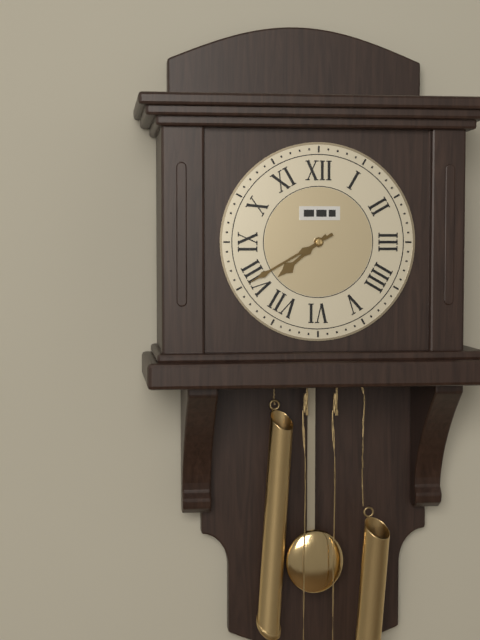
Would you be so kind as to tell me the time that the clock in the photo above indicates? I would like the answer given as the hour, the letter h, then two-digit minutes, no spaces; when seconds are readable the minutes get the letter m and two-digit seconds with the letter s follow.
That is 7h40
